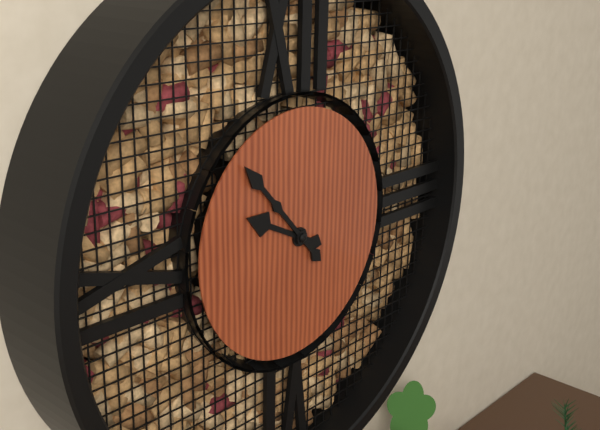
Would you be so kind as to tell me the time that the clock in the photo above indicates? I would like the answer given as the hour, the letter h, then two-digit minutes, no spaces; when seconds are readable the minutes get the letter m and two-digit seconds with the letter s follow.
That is 9h53
